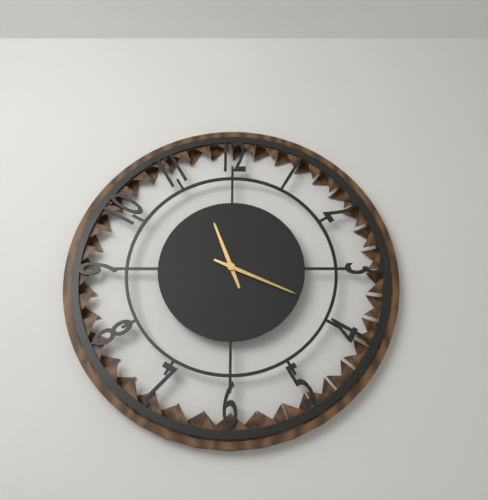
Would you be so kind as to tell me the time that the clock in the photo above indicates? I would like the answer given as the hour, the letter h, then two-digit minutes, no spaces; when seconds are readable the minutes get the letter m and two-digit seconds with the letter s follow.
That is 11h19
